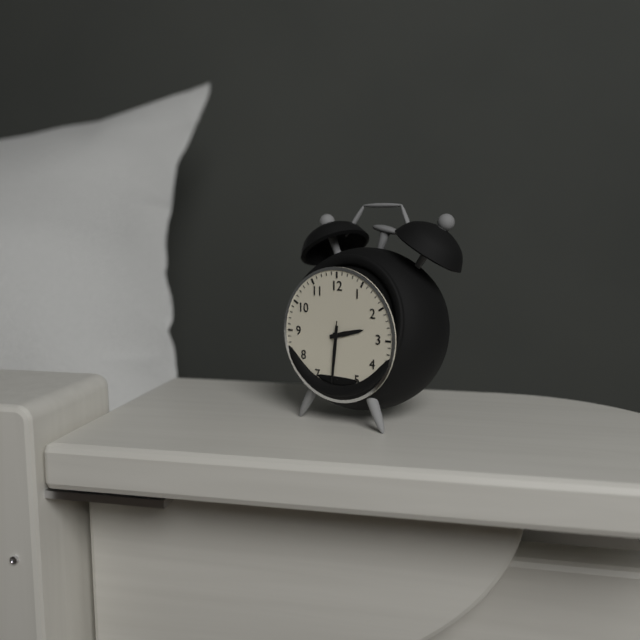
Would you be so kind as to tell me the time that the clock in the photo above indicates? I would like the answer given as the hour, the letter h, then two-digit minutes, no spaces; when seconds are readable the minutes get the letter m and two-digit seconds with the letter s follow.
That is 2h31m31s
